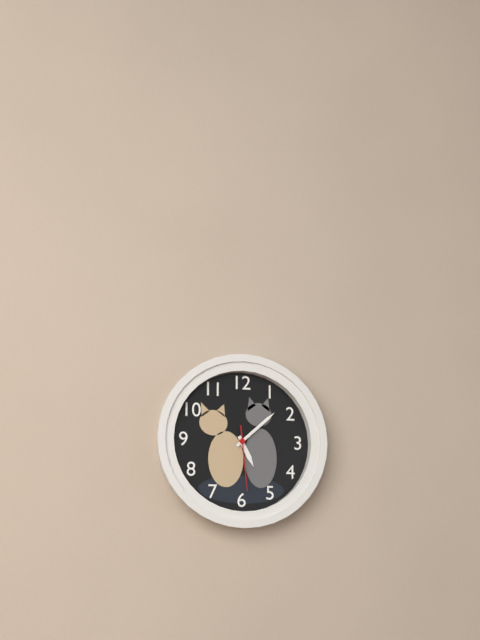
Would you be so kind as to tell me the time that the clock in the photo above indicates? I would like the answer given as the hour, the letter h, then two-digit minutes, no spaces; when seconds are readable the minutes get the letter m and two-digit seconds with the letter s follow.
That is 5h08m29s
